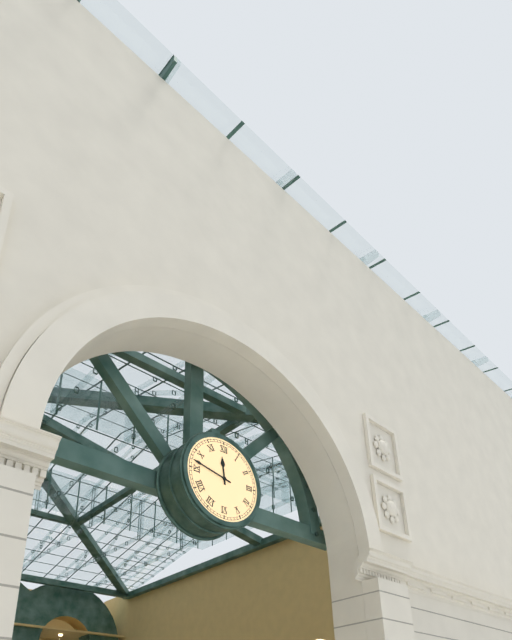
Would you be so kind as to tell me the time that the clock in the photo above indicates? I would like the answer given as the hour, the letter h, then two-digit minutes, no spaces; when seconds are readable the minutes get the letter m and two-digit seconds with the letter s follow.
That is 11h47
